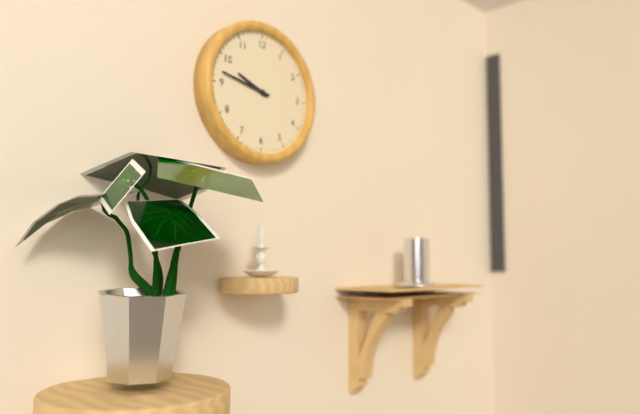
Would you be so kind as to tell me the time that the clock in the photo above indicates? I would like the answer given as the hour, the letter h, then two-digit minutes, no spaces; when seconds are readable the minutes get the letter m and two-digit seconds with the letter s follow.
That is 9h47
